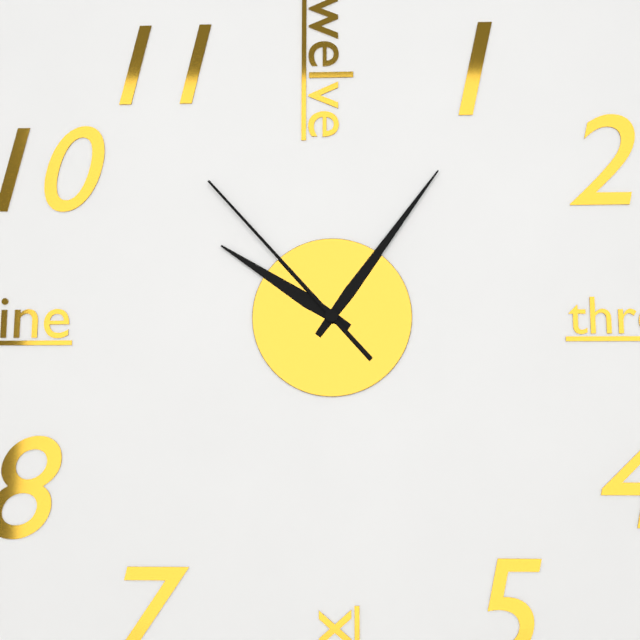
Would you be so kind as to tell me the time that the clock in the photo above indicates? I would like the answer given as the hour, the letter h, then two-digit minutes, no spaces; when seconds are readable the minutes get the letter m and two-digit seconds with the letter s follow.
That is 10h06m53s
